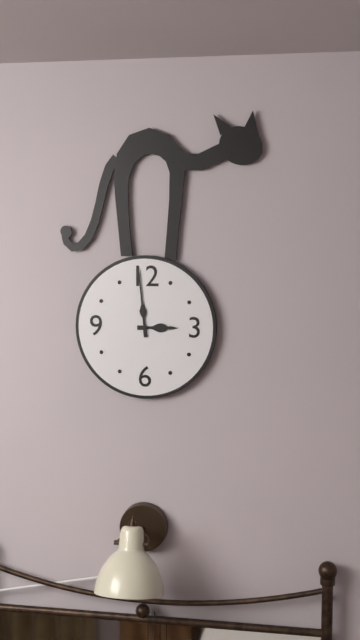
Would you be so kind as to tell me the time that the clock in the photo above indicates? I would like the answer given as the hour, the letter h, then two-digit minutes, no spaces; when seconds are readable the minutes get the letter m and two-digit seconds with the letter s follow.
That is 2h59
